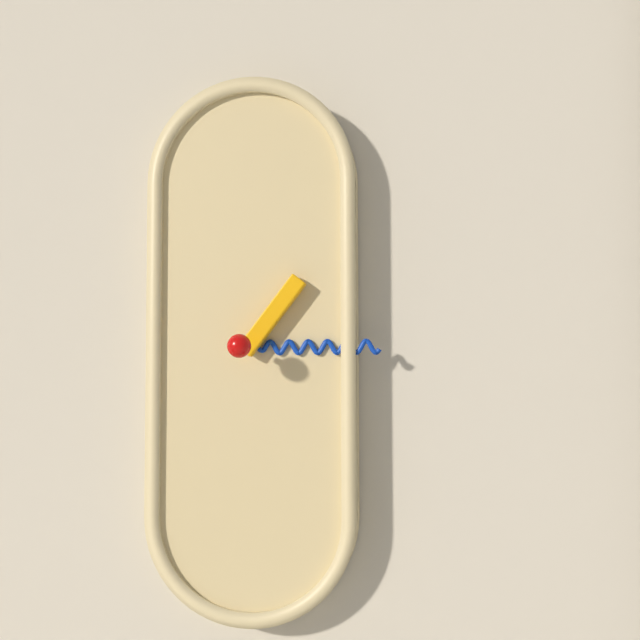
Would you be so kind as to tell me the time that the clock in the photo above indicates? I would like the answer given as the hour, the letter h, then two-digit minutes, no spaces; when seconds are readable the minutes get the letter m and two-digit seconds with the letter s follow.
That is 1h15
